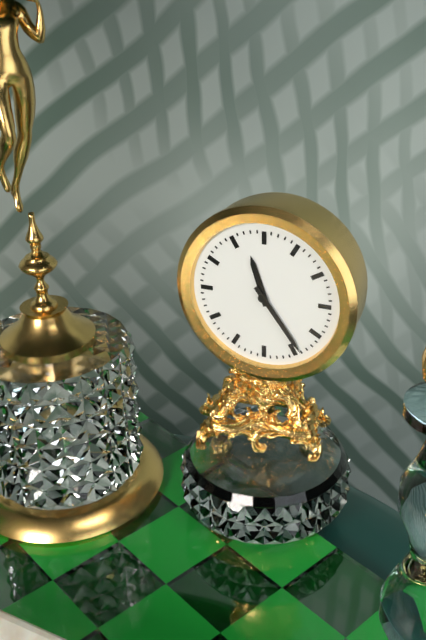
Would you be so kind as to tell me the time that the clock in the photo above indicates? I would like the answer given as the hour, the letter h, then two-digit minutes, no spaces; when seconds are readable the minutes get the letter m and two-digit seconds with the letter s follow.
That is 11h24
